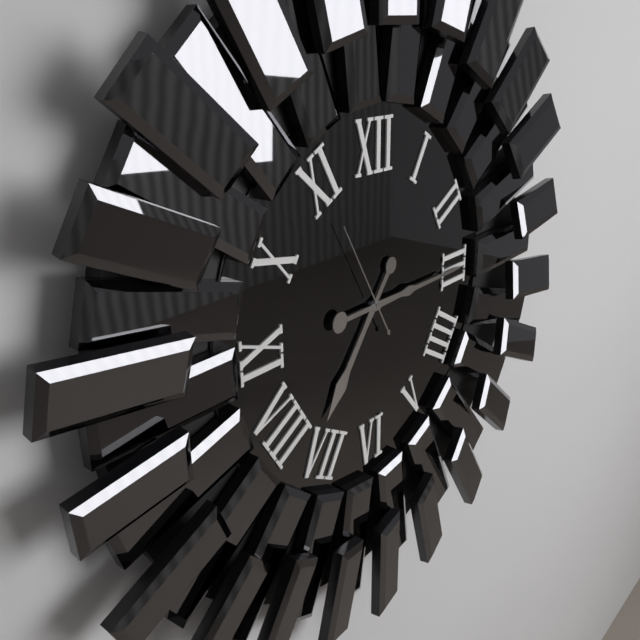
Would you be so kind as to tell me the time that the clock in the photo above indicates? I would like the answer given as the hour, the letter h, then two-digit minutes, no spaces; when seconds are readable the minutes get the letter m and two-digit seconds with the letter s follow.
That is 7h15m55s
